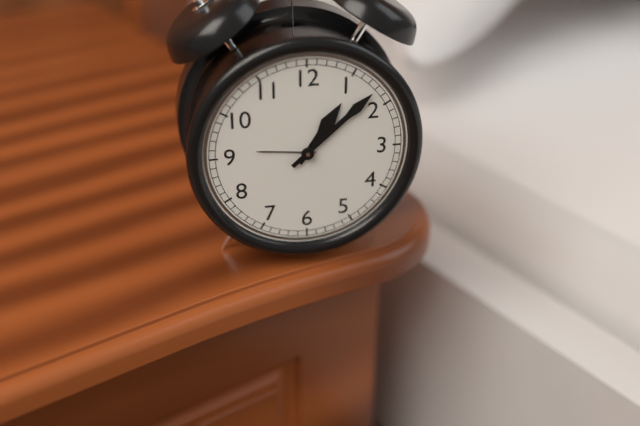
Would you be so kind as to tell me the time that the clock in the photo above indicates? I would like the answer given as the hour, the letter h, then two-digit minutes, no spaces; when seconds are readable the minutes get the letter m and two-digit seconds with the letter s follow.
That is 1h08
